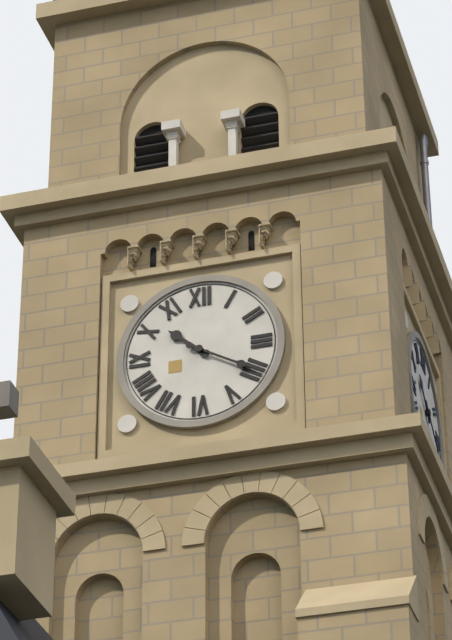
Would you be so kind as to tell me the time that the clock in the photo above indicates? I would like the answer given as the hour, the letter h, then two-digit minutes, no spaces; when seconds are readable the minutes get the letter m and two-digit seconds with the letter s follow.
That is 10h20
